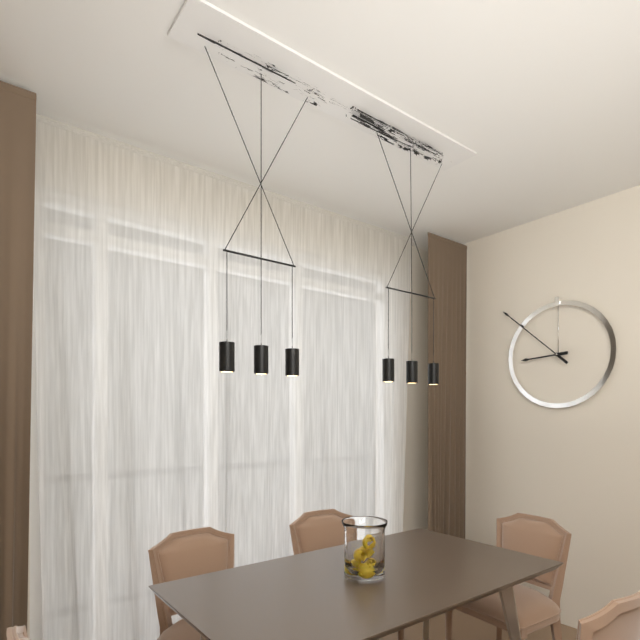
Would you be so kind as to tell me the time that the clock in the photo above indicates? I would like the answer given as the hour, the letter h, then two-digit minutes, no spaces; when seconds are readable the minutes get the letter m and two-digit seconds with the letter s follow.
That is 8h52
